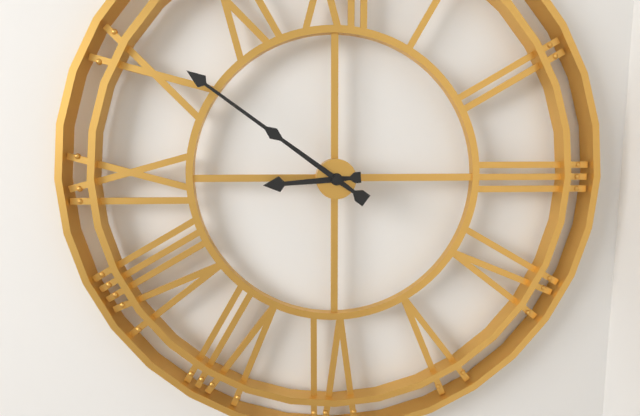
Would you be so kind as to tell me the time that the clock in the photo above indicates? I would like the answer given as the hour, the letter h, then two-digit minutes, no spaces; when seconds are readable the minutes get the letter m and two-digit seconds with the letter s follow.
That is 8h51
